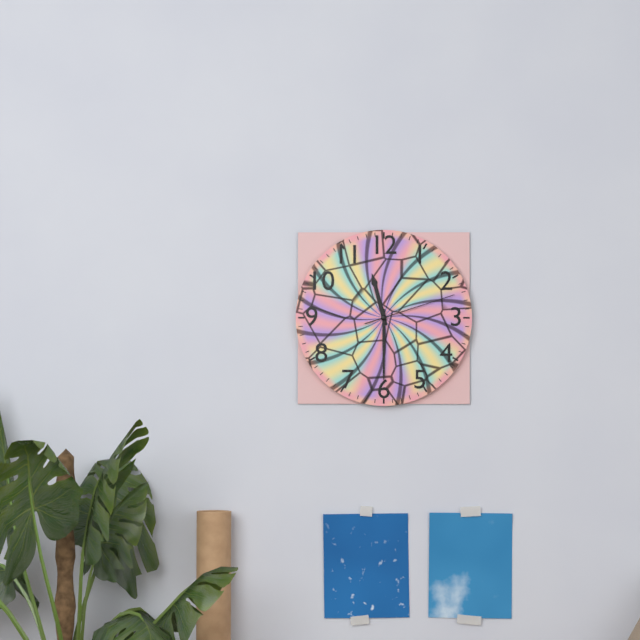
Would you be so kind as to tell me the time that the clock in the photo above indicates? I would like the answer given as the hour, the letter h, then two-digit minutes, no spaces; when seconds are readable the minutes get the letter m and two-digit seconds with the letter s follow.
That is 11h30m12s
